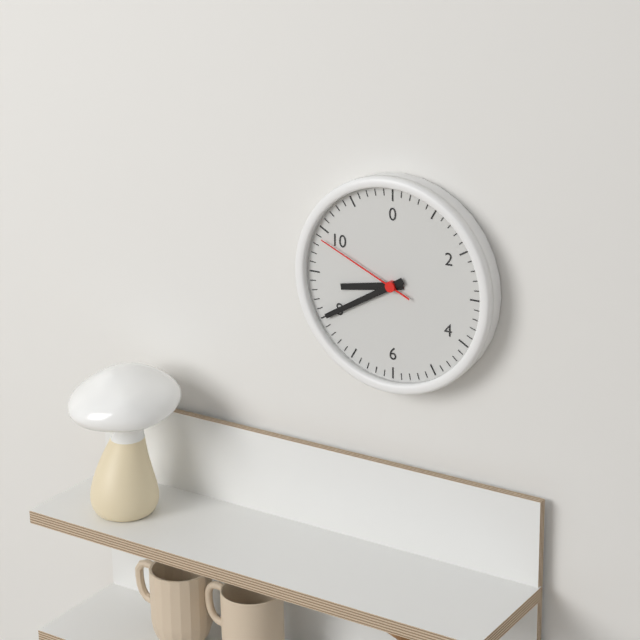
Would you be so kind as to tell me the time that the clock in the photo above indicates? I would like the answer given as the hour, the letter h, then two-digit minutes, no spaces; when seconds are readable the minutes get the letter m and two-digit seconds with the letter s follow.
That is 8h40m49s
